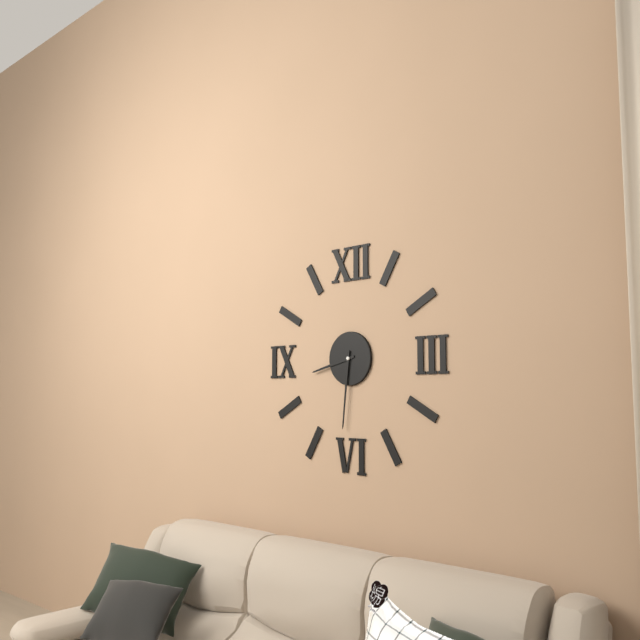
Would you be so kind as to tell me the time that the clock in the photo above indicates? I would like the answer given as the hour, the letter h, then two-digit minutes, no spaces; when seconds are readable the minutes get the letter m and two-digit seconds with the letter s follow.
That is 8h31
